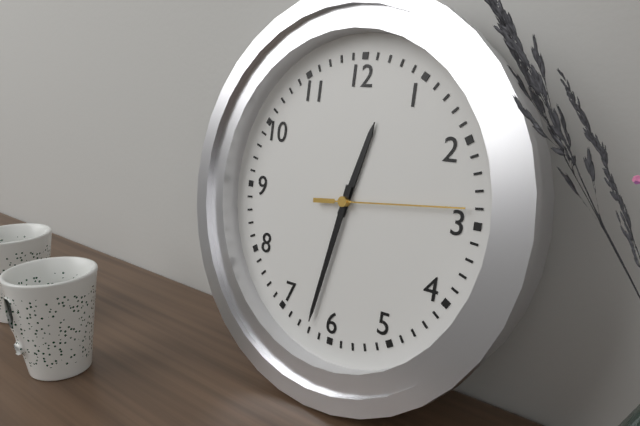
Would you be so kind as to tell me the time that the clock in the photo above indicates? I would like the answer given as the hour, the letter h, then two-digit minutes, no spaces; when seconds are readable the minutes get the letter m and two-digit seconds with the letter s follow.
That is 12h32m14s
